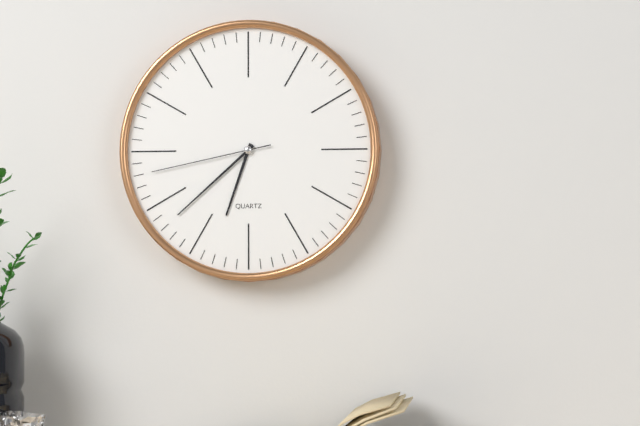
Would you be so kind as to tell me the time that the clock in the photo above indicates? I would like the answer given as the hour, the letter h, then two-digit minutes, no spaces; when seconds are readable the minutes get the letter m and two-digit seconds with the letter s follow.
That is 6h38m43s
